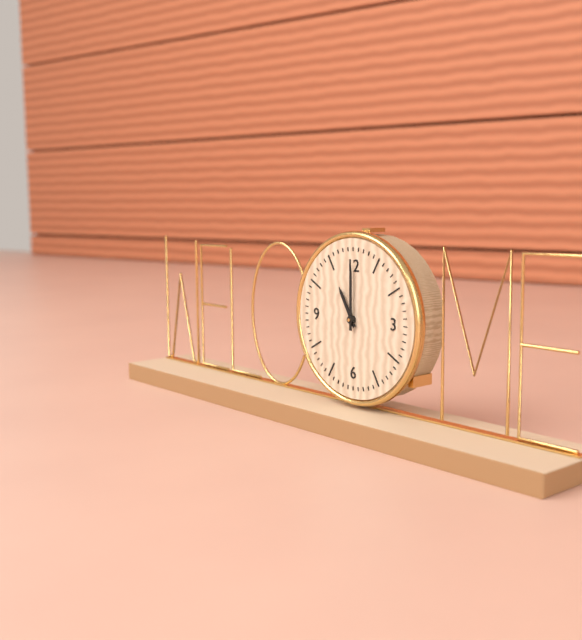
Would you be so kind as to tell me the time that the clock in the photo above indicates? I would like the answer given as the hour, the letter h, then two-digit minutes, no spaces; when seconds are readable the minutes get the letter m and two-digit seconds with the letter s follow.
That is 11h00
